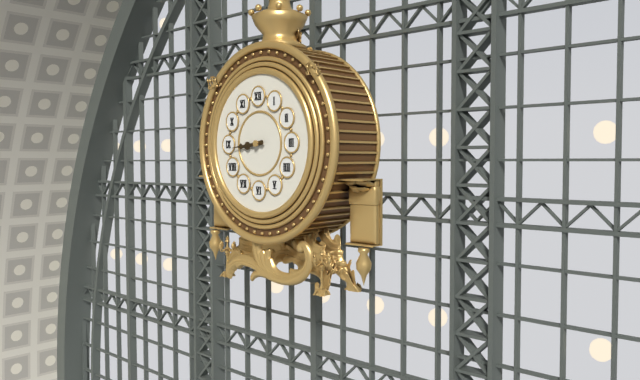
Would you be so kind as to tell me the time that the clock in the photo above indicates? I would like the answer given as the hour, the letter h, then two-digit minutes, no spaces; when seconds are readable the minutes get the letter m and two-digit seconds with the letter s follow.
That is 8h44
